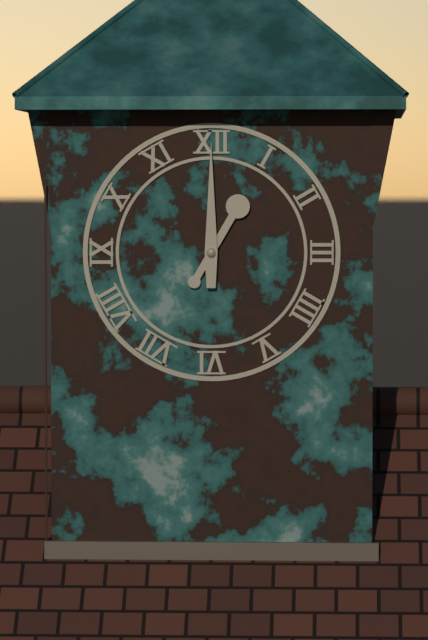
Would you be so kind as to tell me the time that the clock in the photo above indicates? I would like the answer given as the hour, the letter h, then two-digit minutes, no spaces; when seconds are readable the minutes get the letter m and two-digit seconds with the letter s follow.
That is 1h00
